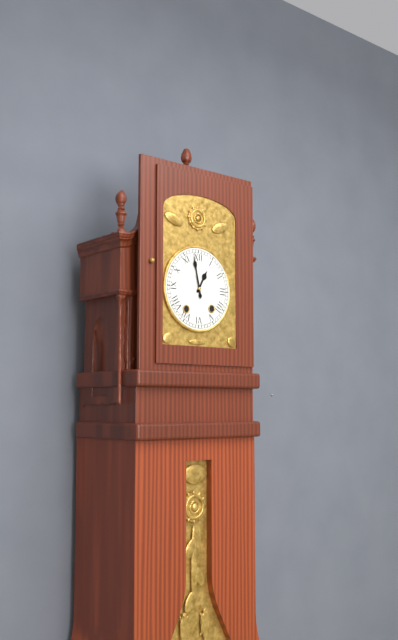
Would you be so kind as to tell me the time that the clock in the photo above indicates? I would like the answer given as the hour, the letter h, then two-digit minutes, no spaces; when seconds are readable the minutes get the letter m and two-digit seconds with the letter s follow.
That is 12h58
